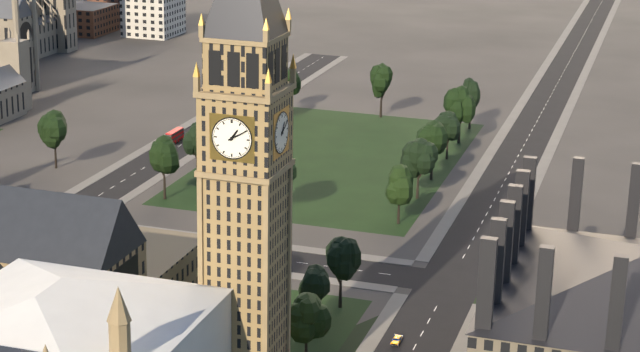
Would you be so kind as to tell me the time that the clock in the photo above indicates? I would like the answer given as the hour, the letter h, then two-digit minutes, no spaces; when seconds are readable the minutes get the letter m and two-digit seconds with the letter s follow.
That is 1h10
